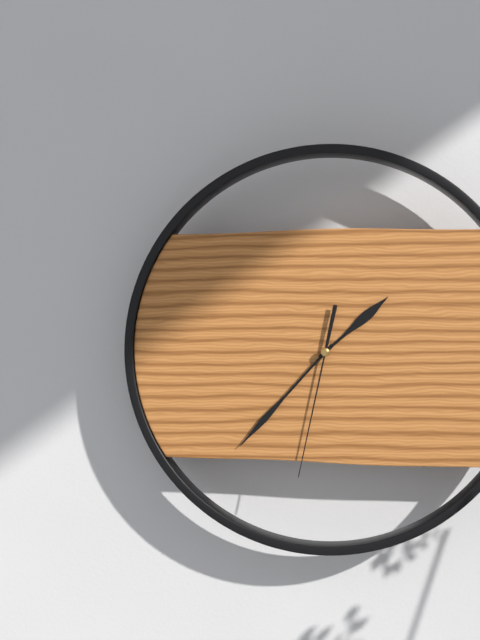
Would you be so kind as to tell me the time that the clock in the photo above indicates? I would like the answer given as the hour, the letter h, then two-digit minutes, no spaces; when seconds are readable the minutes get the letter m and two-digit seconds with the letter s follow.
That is 1h37m32s
